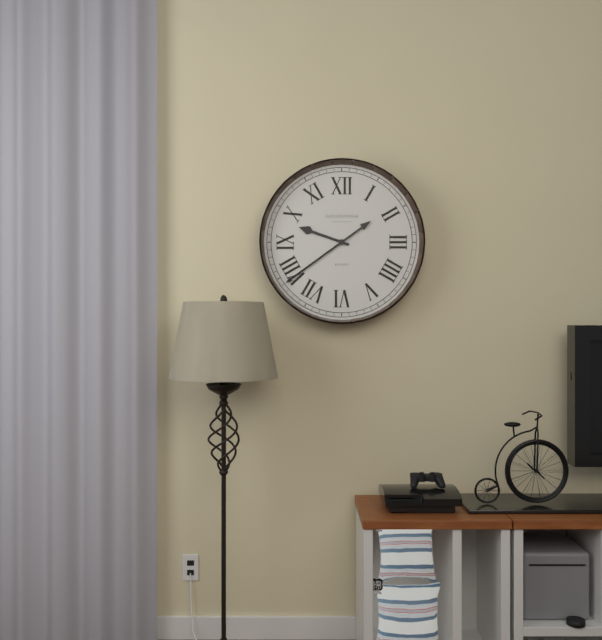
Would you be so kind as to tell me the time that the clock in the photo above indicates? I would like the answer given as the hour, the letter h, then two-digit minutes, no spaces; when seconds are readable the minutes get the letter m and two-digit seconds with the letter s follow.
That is 9h39
